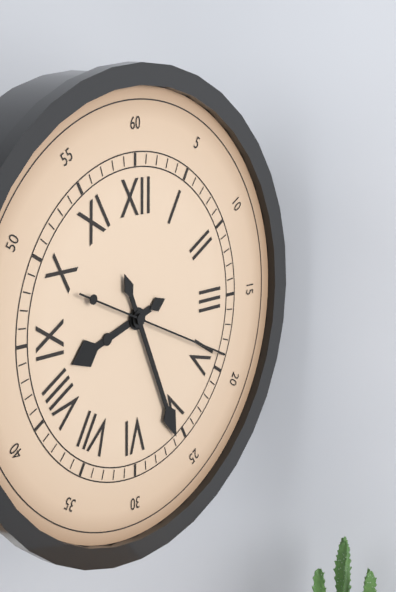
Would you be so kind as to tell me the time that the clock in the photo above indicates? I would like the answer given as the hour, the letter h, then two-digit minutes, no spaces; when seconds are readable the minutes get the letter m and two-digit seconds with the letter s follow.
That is 8h26m19s
